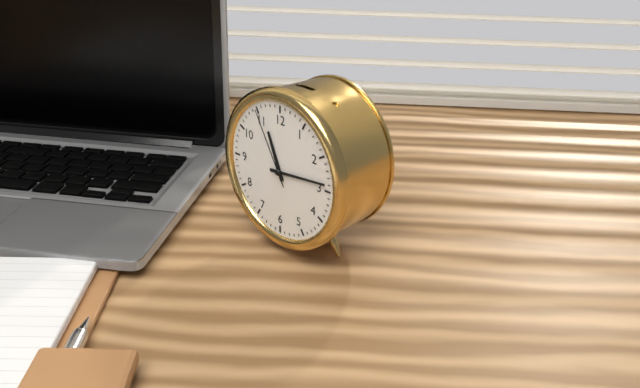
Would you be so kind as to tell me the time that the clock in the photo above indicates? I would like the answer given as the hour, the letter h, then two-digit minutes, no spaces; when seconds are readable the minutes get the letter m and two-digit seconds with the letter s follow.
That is 11h14m55s
